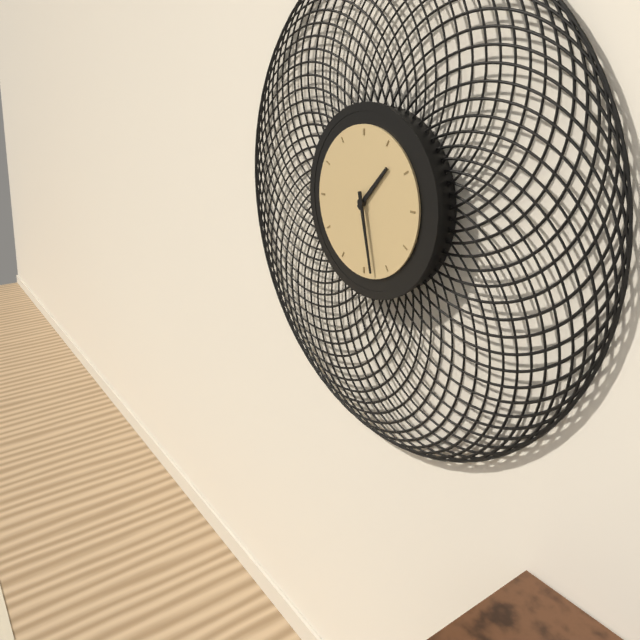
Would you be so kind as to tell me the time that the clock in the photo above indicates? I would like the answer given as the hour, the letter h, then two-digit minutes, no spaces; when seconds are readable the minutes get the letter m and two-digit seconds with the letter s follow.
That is 1h28
